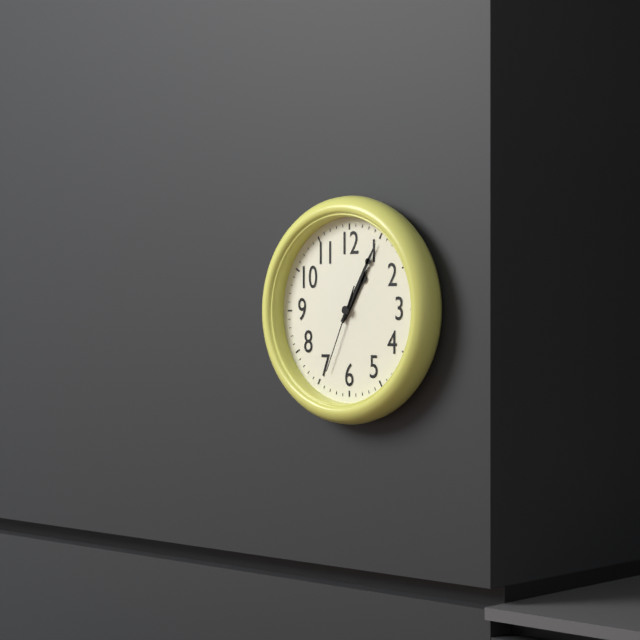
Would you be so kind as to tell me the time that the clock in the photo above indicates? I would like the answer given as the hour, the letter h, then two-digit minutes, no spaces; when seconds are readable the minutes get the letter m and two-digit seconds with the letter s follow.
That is 1h05m34s
